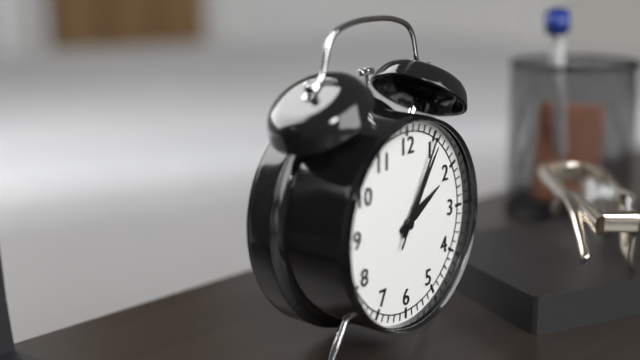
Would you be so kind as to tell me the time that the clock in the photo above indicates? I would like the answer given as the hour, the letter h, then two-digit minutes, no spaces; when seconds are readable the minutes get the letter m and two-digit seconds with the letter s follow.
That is 2h06m05s
